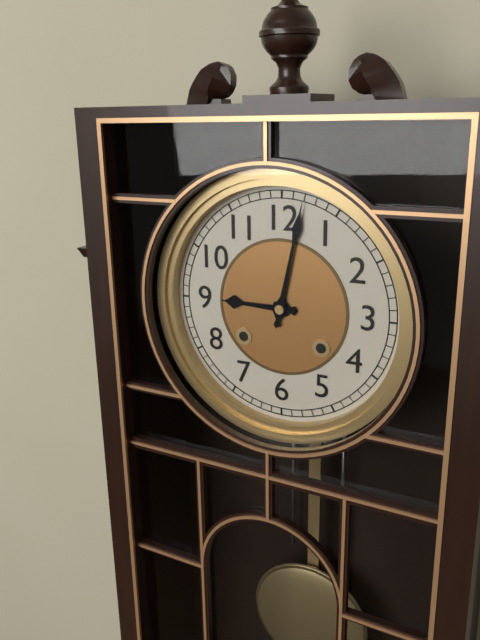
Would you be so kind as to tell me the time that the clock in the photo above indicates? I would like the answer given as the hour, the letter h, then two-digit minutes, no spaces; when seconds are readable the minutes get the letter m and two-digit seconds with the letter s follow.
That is 9h02
